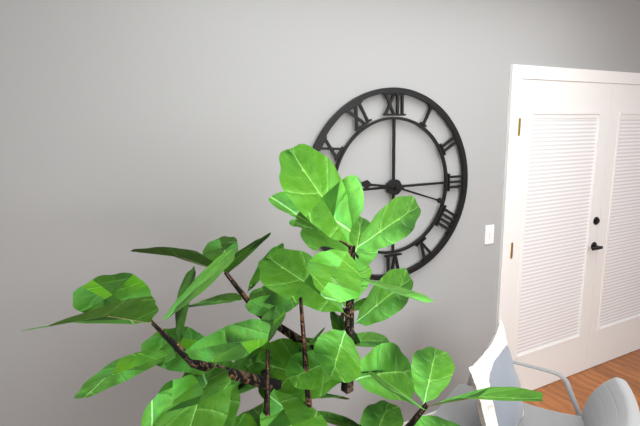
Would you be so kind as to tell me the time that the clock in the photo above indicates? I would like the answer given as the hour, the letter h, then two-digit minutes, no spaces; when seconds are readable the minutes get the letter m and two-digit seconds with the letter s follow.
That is 9h18
